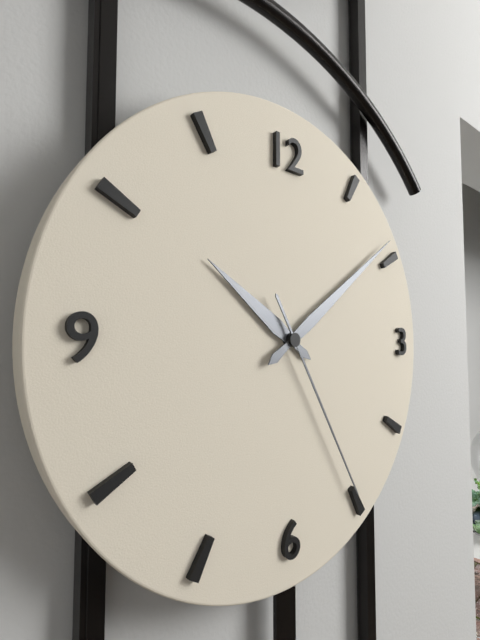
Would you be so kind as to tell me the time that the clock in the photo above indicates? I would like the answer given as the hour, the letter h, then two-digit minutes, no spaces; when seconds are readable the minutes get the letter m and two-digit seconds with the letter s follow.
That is 10h09m25s
